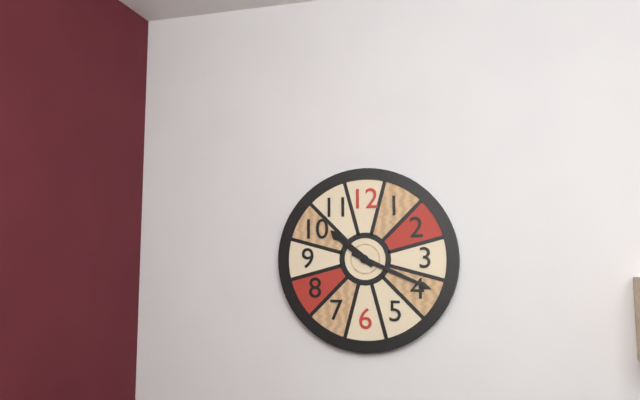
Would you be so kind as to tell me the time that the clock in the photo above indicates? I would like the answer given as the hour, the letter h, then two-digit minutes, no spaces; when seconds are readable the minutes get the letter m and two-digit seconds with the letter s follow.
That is 10h19
